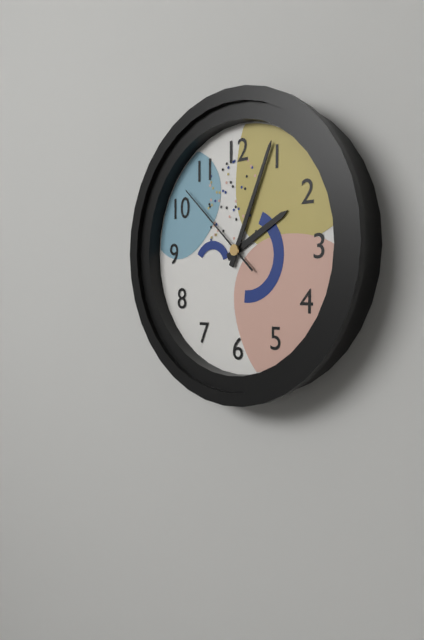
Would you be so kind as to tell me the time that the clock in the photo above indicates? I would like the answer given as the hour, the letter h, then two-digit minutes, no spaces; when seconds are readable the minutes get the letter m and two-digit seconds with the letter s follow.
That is 2h04m52s
